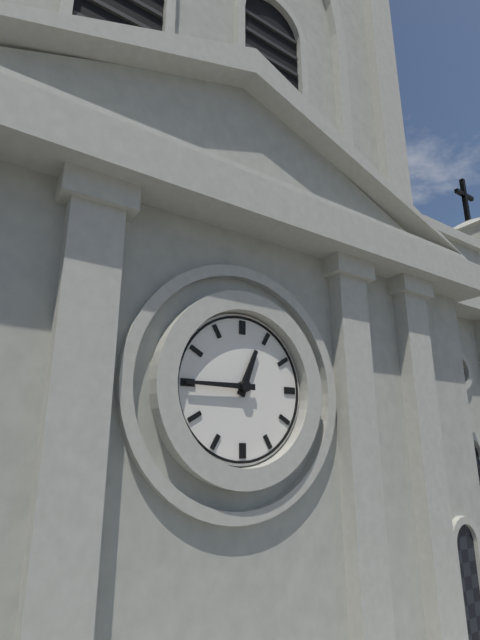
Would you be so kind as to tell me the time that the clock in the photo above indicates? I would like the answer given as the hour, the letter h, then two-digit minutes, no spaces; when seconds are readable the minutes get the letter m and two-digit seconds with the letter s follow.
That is 12h45
